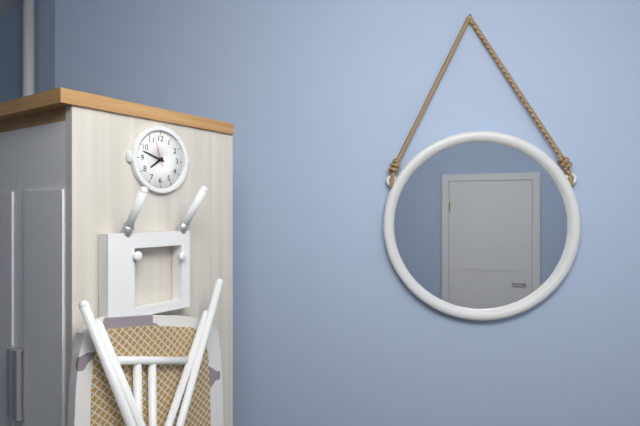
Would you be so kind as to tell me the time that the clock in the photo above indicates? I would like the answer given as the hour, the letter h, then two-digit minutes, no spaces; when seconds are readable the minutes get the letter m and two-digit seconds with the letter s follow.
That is 7h48
